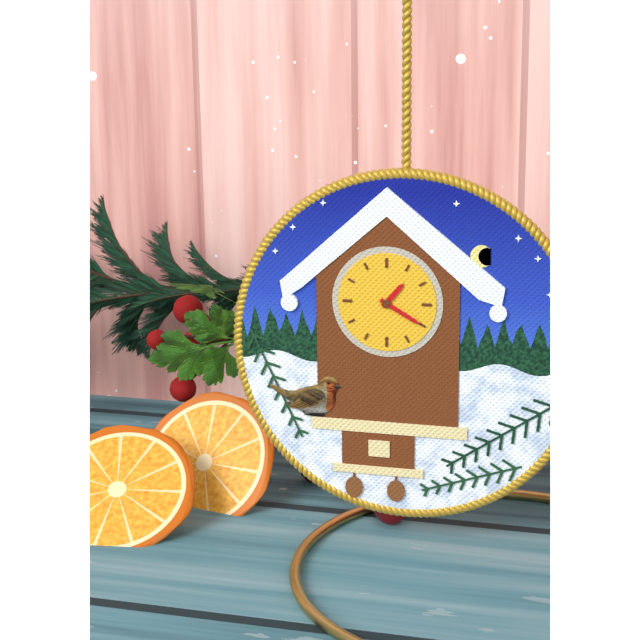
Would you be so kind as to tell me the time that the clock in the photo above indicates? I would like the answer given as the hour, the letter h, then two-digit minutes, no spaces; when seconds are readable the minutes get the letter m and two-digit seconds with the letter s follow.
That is 1h20
